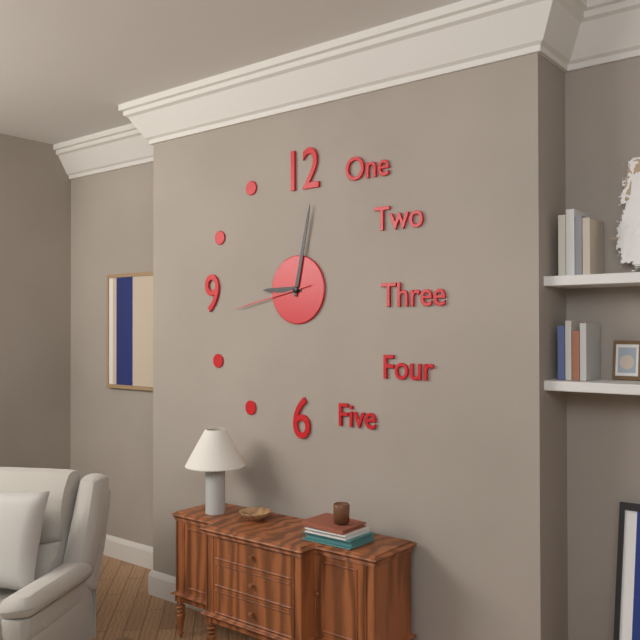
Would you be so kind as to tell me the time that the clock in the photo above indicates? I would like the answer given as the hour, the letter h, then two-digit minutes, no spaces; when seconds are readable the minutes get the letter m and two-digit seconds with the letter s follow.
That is 9h02m43s
